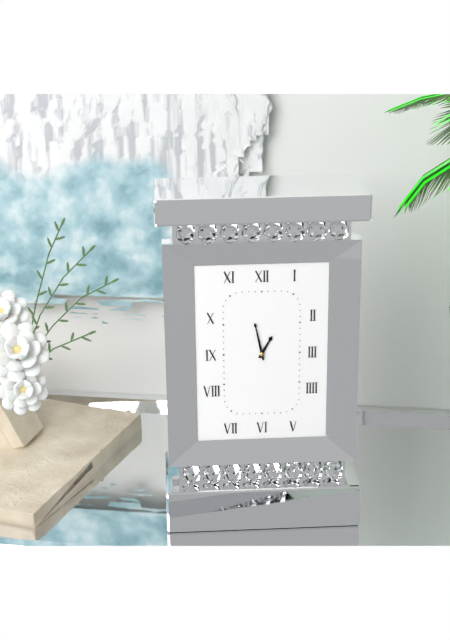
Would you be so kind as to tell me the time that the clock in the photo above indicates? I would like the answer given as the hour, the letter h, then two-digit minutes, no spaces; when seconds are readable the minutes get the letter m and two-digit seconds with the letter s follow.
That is 12h58
